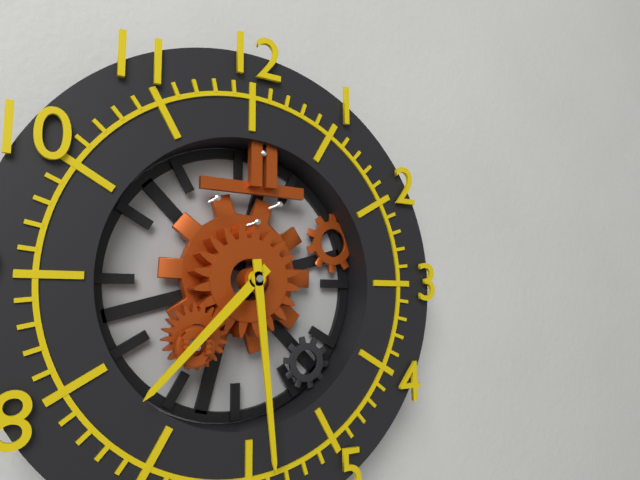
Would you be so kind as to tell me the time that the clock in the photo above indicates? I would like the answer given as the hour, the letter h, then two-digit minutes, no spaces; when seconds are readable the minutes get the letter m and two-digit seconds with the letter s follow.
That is 7h29
